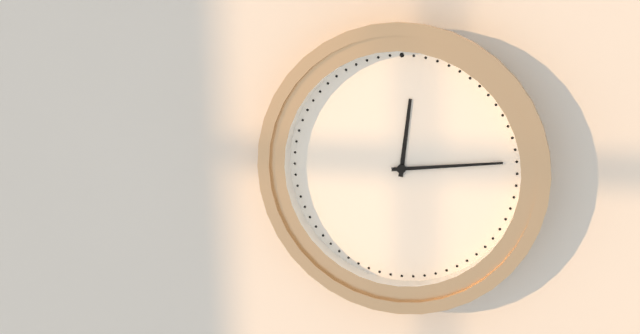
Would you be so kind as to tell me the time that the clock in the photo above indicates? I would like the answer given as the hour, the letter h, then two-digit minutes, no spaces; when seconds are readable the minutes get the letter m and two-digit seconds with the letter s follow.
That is 12h14
